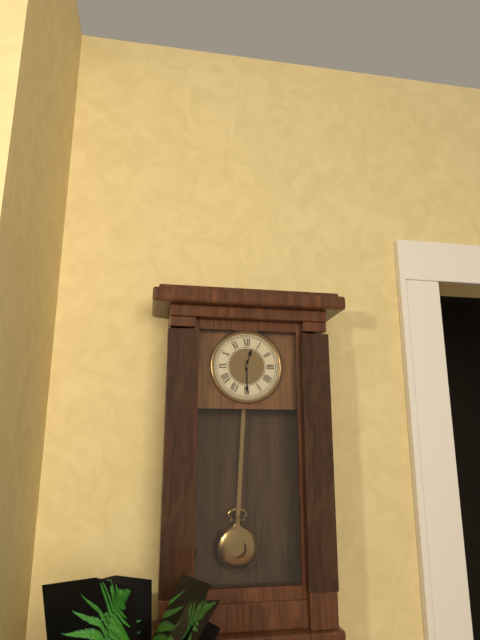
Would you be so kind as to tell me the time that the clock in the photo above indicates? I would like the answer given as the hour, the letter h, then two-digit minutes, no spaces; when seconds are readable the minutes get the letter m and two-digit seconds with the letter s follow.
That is 12h30
